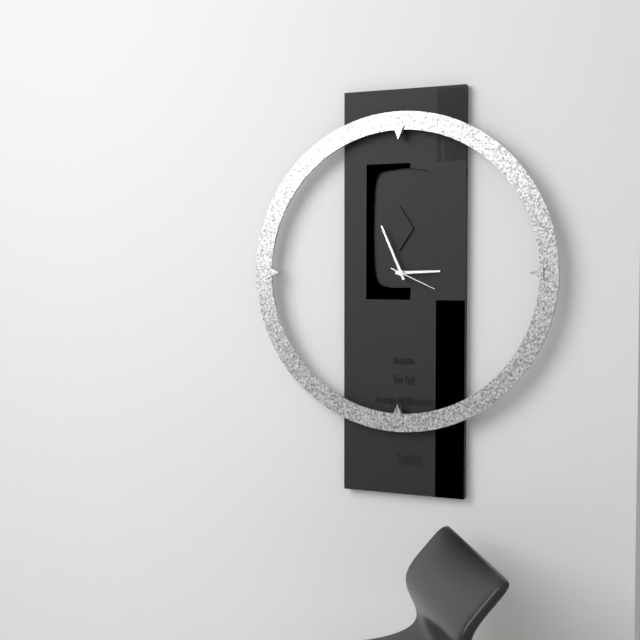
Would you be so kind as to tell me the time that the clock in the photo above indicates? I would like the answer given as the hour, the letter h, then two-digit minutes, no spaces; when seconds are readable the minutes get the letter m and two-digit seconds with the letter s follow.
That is 2h56
